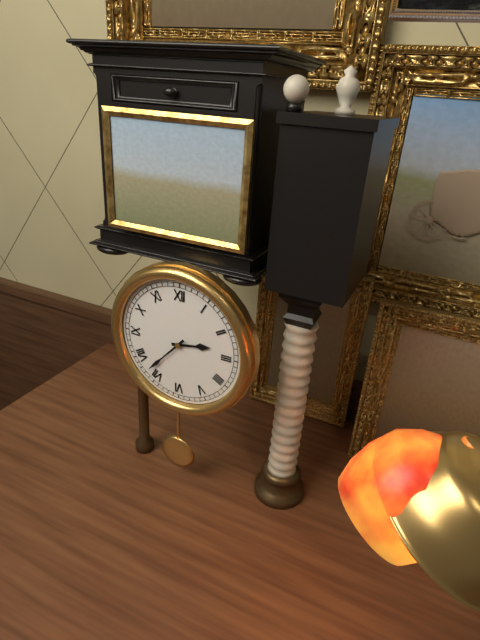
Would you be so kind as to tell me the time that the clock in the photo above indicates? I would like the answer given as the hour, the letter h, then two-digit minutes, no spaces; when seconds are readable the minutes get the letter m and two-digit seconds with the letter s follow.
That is 2h37
